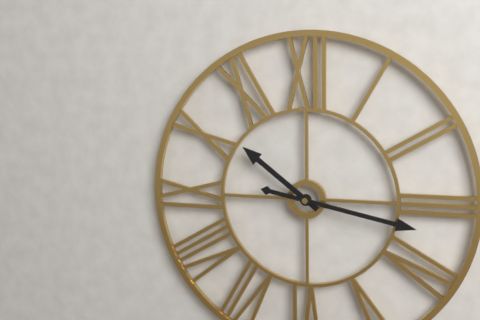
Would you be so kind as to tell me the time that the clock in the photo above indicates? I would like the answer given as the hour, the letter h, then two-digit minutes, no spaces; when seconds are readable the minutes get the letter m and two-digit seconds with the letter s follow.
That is 10h17
